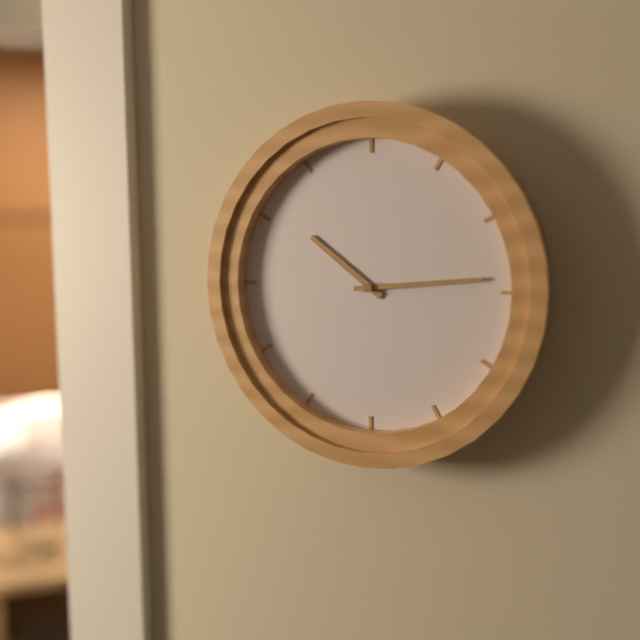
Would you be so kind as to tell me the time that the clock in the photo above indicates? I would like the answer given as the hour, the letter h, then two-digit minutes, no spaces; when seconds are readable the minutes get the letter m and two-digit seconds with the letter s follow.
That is 10h14
